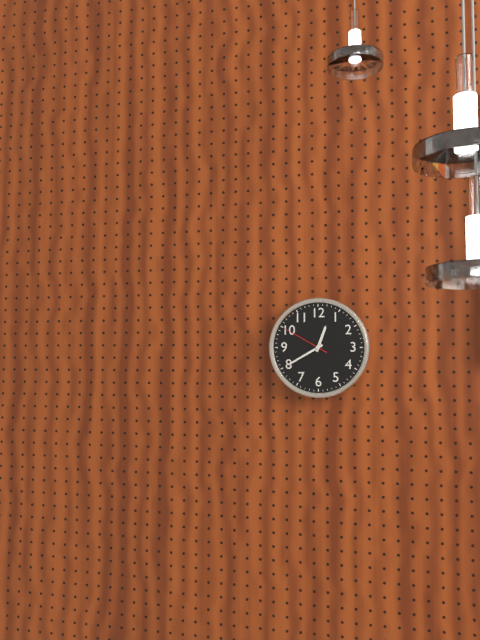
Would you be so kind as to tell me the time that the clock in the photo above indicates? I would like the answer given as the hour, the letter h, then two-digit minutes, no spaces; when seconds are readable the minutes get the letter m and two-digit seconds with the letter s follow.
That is 12h40
